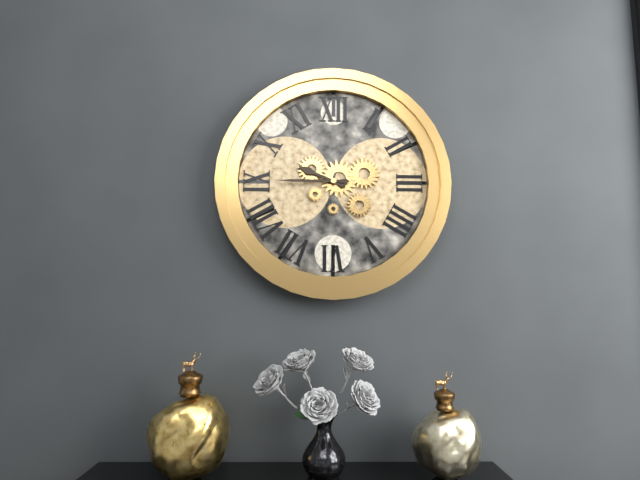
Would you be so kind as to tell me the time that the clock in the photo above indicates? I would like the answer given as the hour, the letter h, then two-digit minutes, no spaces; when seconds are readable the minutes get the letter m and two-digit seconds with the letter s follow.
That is 9h45
